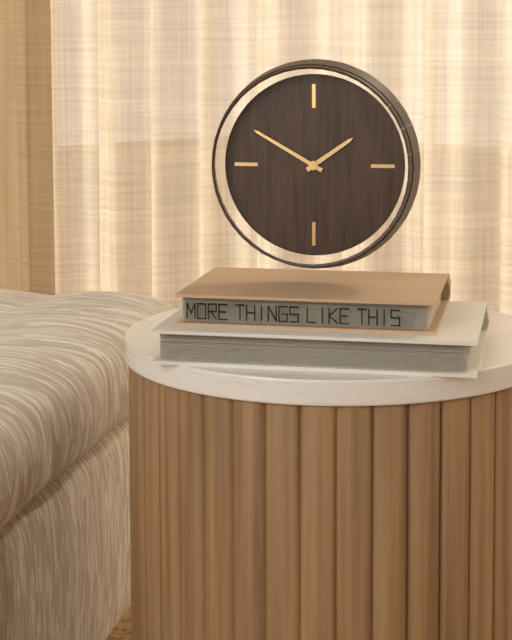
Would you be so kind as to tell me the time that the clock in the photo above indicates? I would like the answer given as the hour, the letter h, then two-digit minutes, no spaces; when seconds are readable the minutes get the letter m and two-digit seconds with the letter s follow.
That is 1h50
